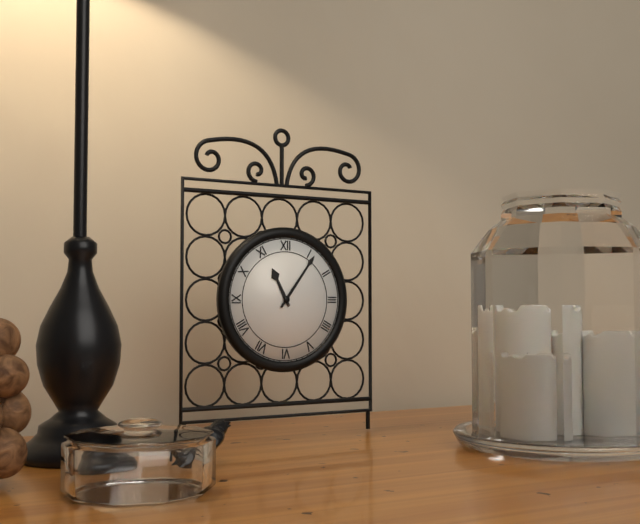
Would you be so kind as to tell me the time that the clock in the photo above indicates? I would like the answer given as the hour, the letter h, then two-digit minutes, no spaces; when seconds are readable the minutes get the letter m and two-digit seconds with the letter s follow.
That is 11h06
